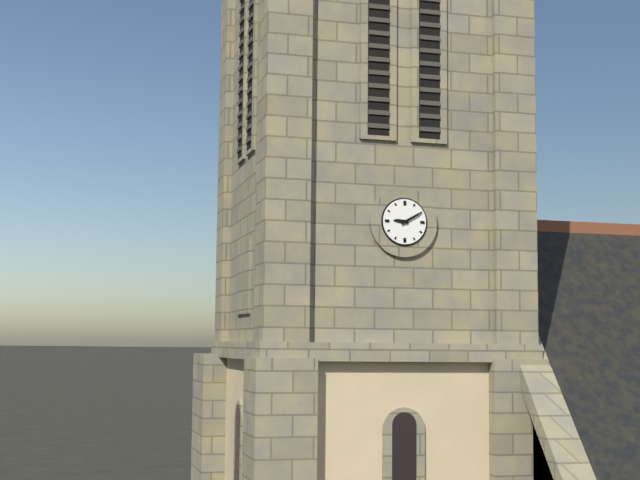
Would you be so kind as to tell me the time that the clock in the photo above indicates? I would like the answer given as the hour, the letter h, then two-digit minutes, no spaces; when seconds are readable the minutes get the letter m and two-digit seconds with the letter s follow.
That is 9h10
